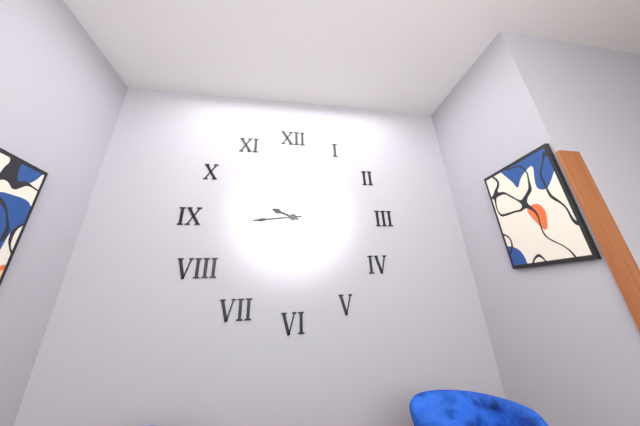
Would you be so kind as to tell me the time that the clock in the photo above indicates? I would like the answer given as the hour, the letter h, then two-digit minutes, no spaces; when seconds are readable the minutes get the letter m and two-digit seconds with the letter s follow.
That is 9h44
